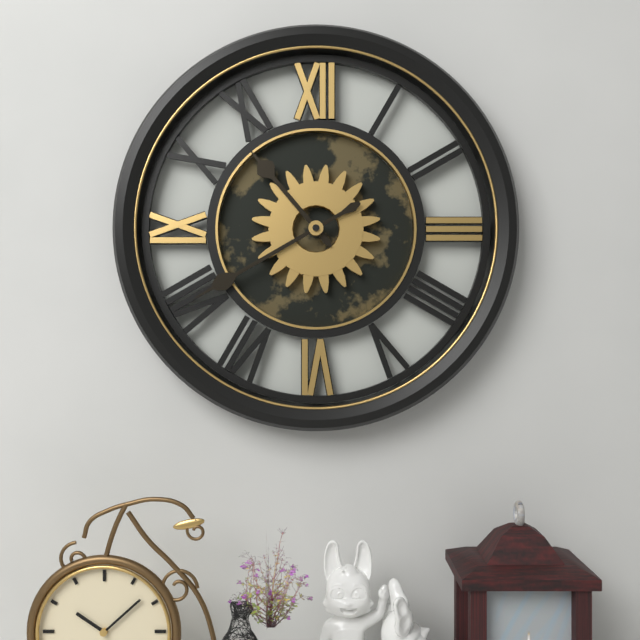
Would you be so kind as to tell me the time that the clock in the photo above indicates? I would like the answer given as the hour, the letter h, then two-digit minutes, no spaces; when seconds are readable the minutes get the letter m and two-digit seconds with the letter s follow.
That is 10h40
